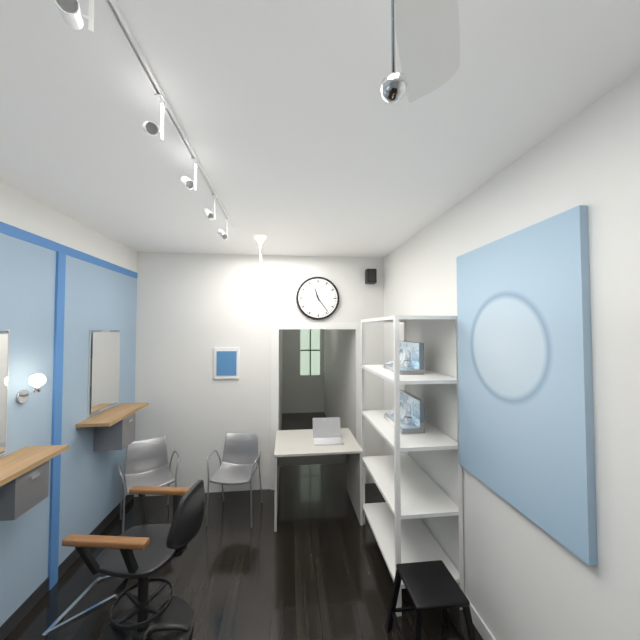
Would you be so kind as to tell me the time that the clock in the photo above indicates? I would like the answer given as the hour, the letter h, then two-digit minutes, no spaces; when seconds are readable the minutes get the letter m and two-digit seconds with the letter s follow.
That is 11h24
